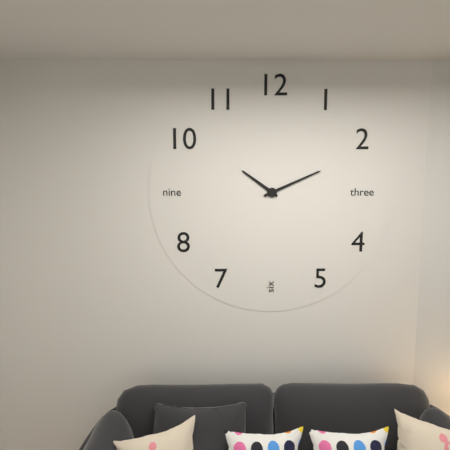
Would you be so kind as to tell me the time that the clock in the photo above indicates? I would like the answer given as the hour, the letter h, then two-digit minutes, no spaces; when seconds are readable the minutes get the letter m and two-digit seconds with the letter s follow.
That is 10h11
